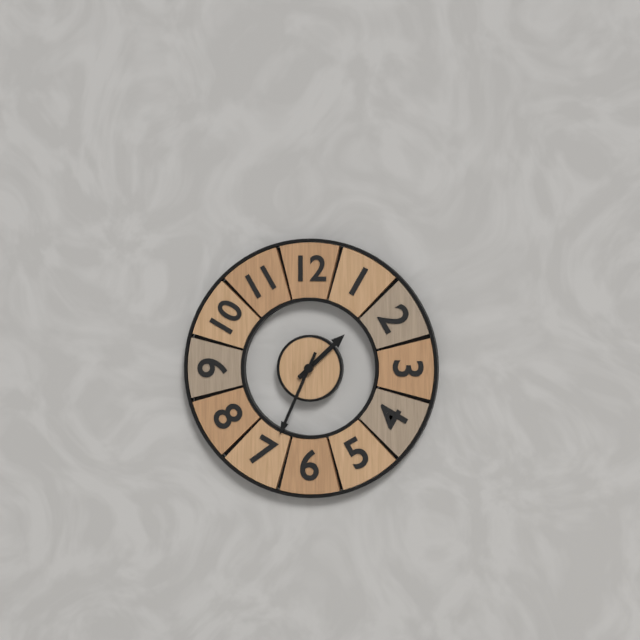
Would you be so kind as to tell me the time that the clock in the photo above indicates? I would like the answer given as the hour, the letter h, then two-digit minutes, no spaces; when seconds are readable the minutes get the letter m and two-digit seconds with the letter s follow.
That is 1h34
